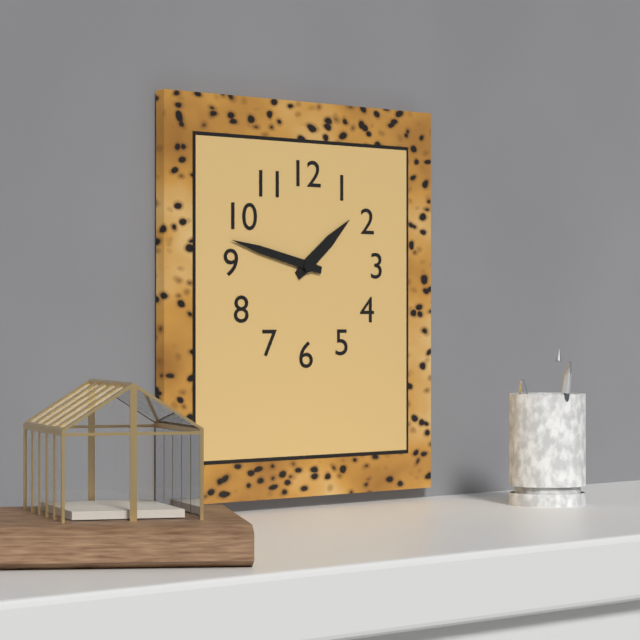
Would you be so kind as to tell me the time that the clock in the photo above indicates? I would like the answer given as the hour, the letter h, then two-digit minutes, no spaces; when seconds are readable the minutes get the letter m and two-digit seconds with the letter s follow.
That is 1h47
